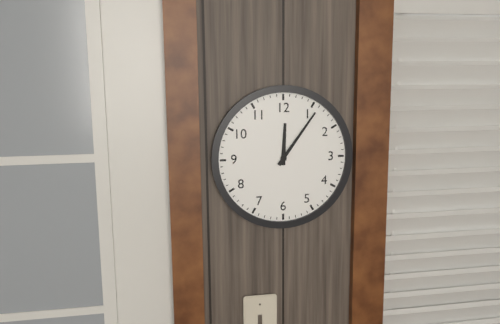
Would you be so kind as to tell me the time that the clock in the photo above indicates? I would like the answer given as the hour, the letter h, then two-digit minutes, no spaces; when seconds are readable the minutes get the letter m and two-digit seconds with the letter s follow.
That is 12h06
